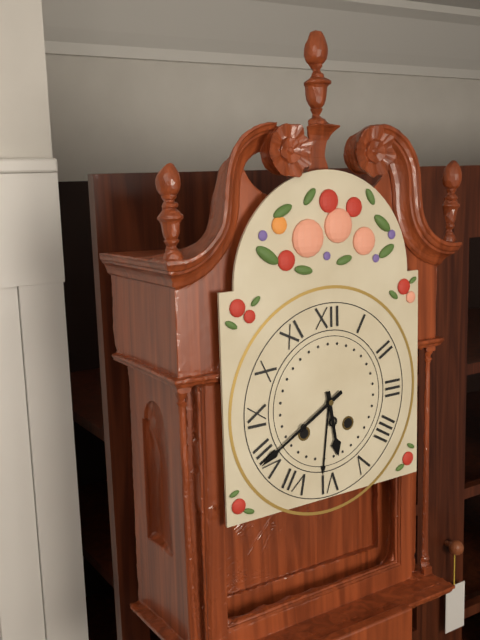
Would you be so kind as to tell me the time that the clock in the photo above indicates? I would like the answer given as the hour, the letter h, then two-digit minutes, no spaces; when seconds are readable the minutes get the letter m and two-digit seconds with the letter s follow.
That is 5h40
